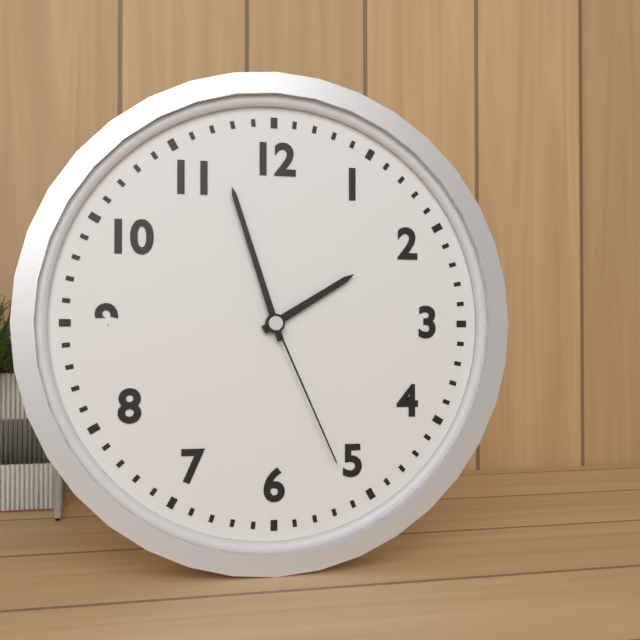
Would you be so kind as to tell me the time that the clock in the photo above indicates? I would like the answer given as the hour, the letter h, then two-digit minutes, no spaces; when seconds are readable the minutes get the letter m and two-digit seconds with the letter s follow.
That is 1h57m26s
